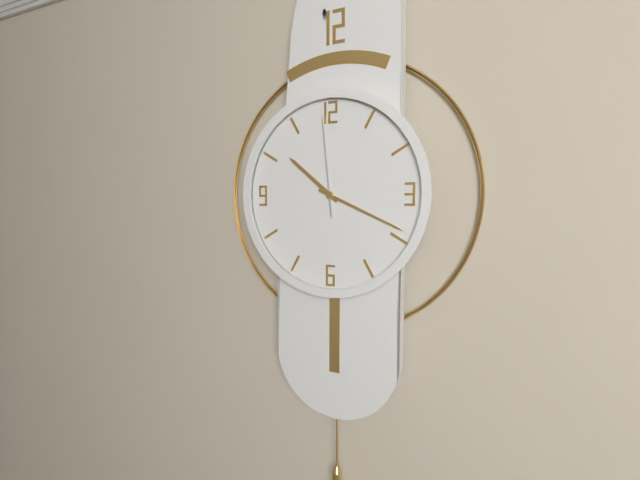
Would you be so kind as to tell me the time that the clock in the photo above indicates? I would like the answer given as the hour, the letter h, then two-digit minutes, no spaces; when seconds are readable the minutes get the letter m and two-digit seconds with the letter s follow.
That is 10h19m59s
